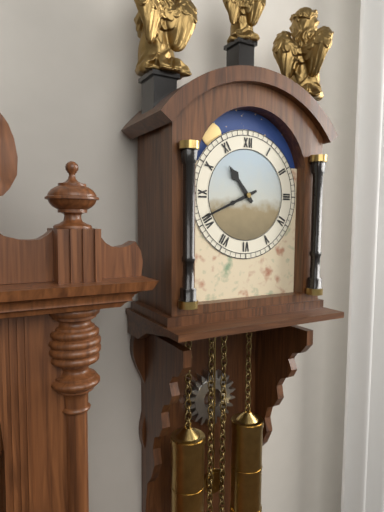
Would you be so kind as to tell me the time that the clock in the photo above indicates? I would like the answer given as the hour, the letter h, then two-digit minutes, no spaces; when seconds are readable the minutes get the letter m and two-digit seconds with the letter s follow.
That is 10h41
